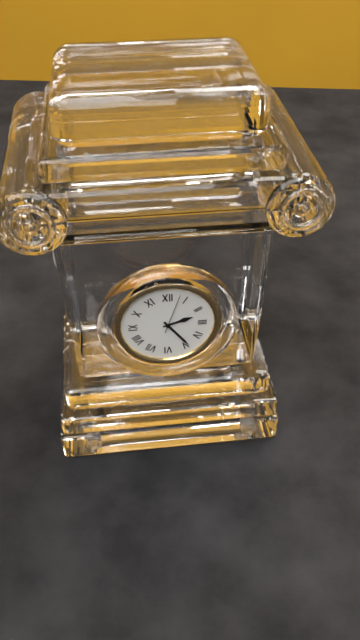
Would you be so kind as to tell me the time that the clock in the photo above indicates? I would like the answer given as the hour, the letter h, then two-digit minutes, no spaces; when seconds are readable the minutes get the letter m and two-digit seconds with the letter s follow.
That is 2h24
